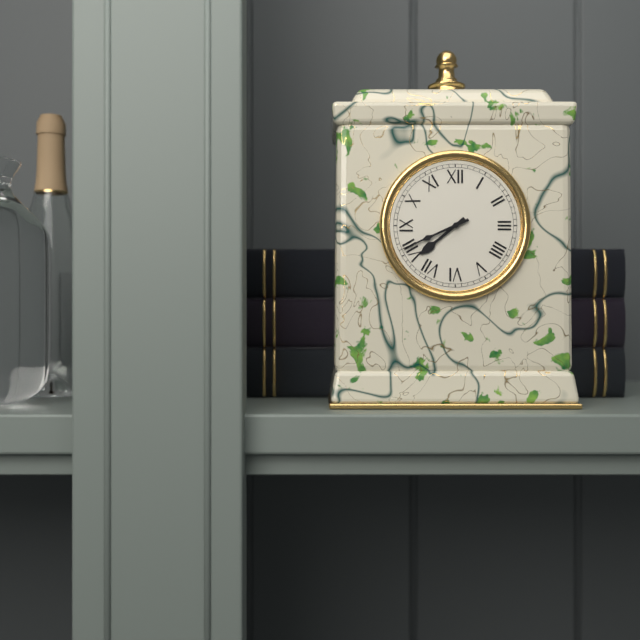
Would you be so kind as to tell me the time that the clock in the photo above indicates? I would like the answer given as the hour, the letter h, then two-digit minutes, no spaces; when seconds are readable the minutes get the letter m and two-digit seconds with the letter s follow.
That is 7h41
